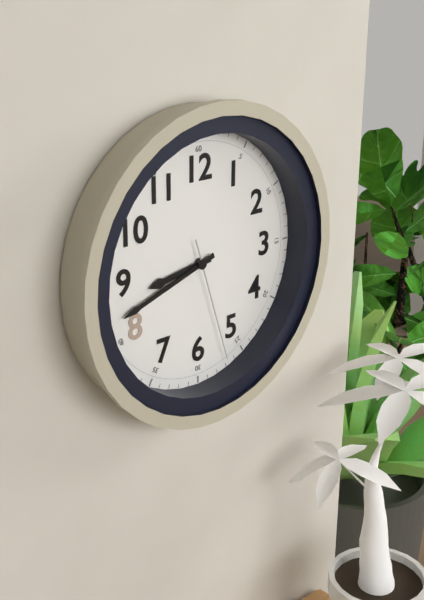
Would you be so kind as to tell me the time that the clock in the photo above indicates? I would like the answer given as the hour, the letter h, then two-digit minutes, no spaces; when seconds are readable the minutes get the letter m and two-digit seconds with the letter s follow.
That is 8h42m27s
